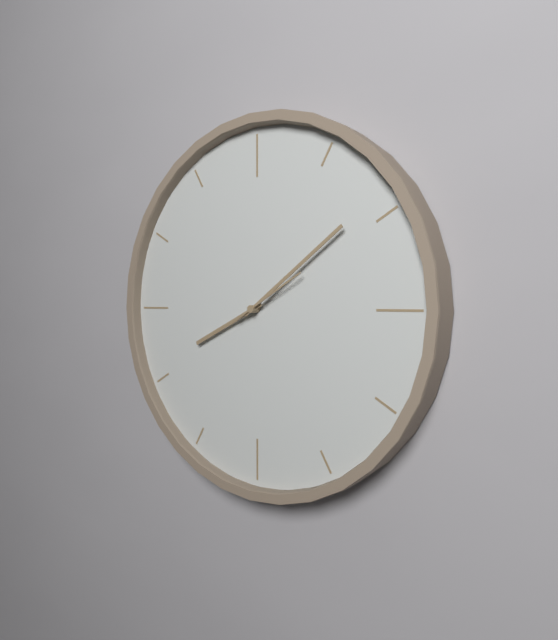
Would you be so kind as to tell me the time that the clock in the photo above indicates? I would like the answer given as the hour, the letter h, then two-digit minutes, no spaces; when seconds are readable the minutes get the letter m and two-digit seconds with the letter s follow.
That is 8h09m10s
